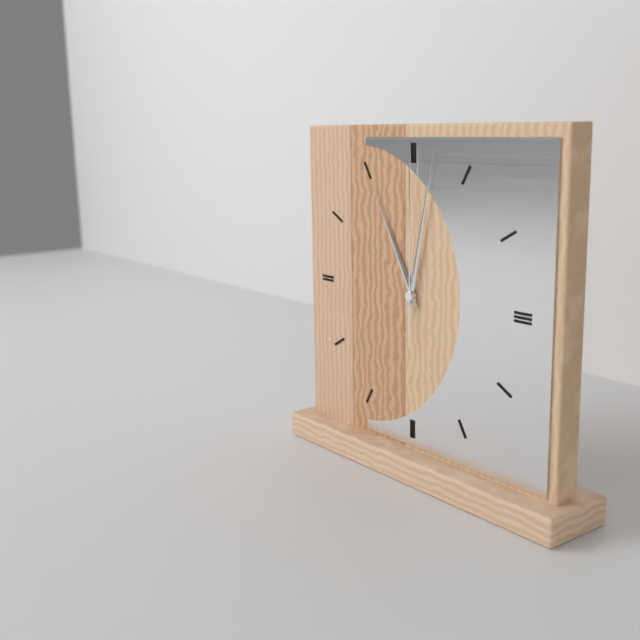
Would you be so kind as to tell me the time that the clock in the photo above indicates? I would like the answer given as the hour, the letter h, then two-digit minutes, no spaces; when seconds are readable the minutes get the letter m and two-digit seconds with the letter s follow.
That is 11h02m00s
